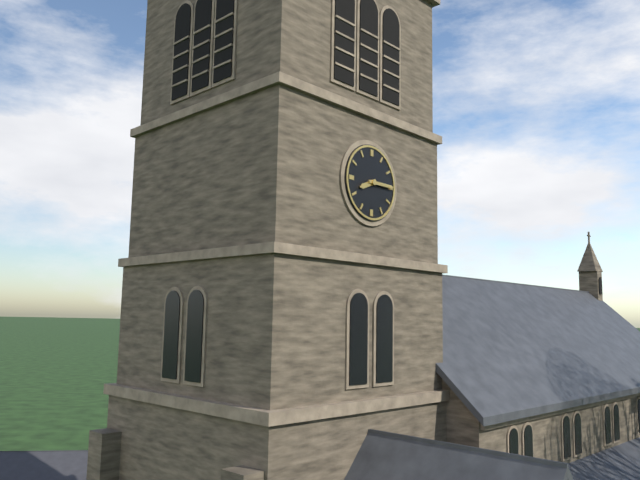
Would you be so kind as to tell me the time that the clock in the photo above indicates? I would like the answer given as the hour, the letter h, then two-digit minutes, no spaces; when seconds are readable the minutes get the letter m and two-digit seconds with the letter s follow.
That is 8h15
